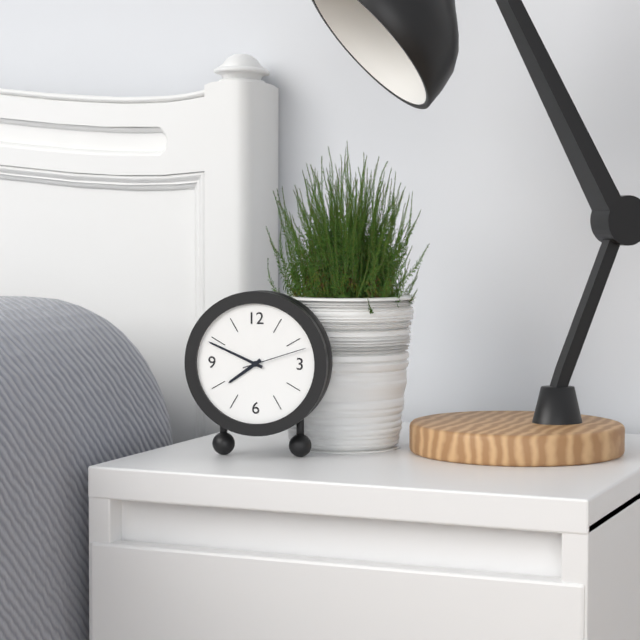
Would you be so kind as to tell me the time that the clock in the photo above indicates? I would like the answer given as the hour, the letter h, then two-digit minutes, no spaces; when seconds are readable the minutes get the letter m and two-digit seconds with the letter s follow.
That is 7h49m12s
